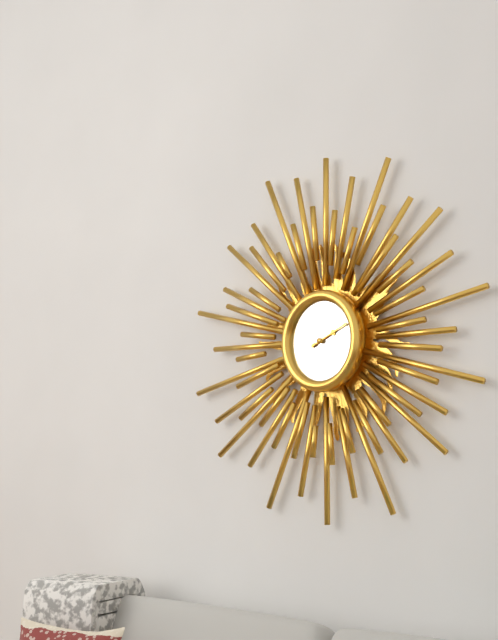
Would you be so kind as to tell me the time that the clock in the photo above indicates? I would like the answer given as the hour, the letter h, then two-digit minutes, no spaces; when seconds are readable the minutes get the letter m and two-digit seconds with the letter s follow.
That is 2h11
